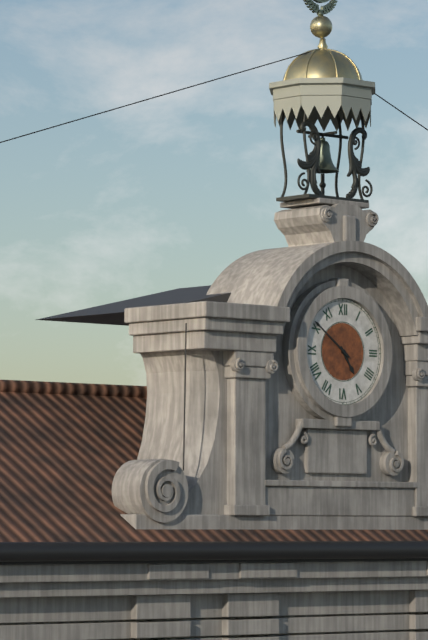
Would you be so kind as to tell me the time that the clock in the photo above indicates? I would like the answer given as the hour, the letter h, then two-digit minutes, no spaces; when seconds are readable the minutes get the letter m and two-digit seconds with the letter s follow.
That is 4h51
